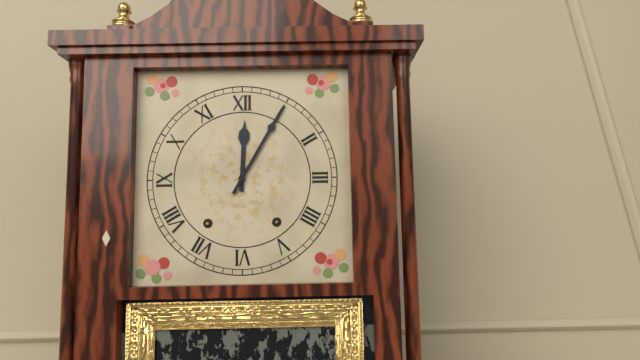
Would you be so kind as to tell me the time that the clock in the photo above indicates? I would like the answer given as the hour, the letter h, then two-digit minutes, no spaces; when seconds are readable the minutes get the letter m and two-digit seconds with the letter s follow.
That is 12h05
